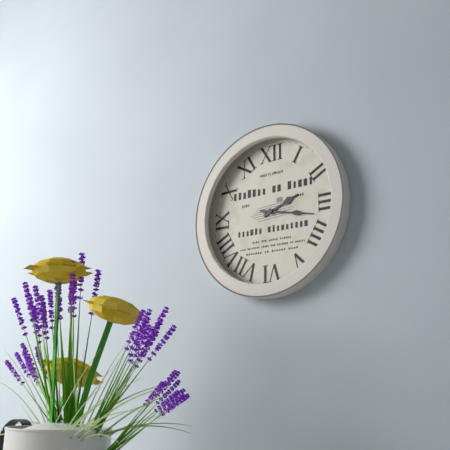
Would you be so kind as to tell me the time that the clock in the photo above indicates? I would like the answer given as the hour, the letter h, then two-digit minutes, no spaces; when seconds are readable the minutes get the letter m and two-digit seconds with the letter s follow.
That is 2h17
